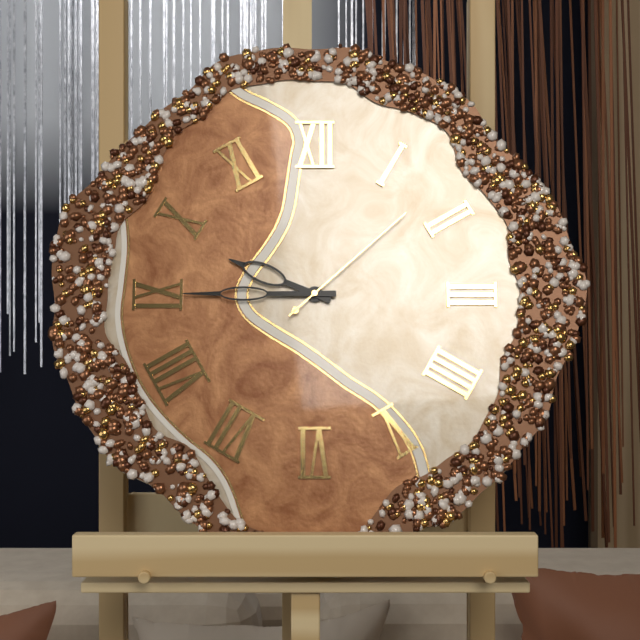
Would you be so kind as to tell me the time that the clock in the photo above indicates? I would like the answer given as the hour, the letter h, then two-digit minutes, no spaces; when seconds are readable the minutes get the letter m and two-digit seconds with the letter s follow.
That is 9h45m08s
